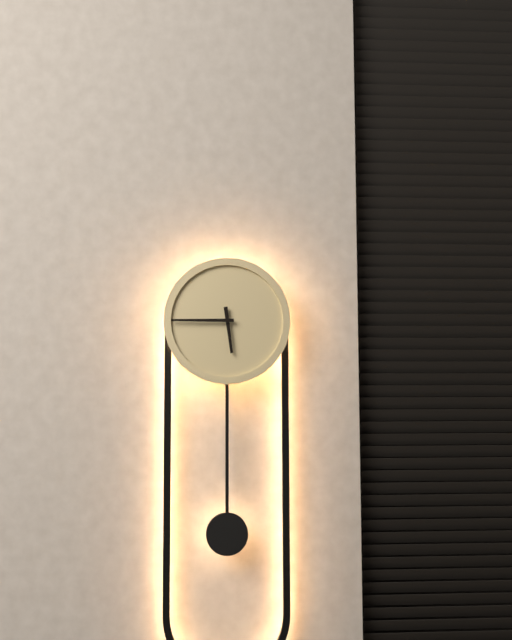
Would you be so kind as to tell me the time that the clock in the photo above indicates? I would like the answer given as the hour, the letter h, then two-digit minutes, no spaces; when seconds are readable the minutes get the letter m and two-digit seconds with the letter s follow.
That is 5h45
